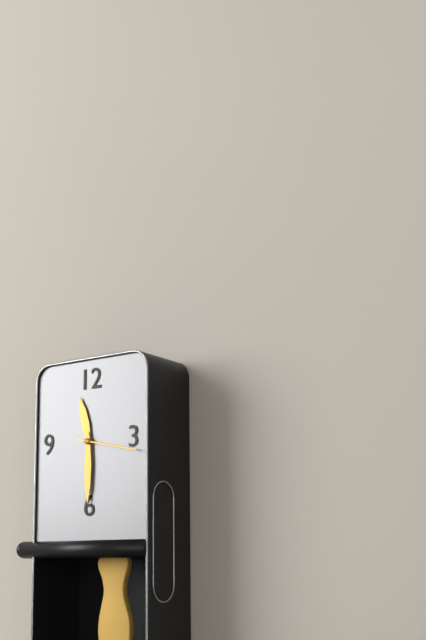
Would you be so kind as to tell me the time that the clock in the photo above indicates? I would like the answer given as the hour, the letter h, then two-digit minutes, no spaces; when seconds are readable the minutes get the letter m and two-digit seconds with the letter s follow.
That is 11h30
